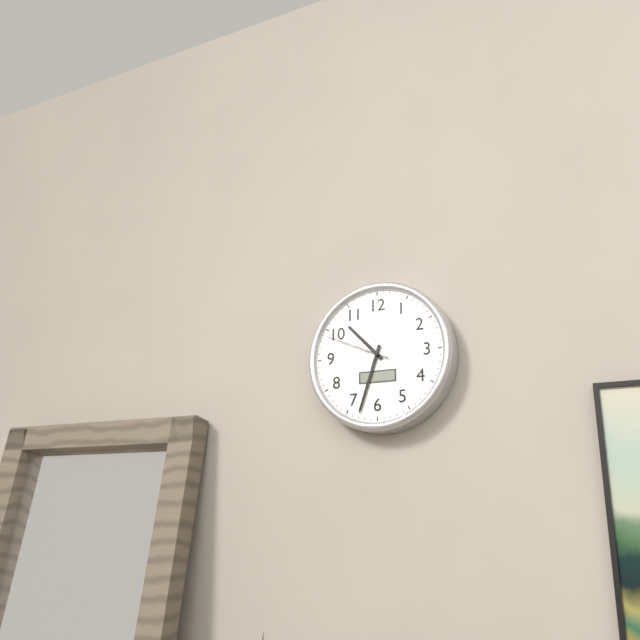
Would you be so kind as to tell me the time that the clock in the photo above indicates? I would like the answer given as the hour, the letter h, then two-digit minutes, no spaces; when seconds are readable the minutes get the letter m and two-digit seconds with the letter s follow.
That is 10h33m49s
